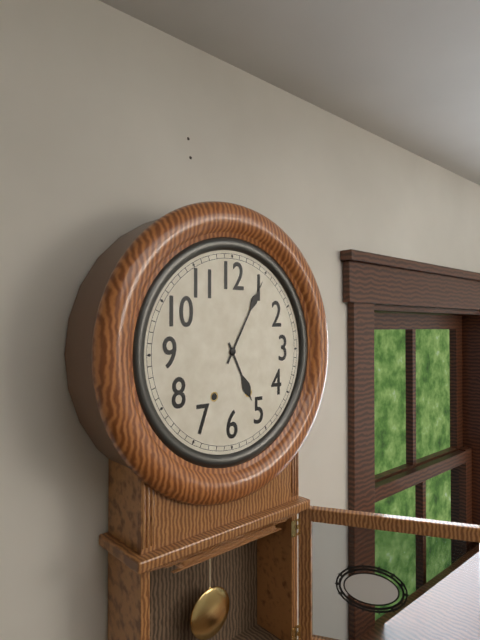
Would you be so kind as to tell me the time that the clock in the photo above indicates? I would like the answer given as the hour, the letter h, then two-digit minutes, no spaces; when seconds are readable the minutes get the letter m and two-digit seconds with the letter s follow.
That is 5h05
